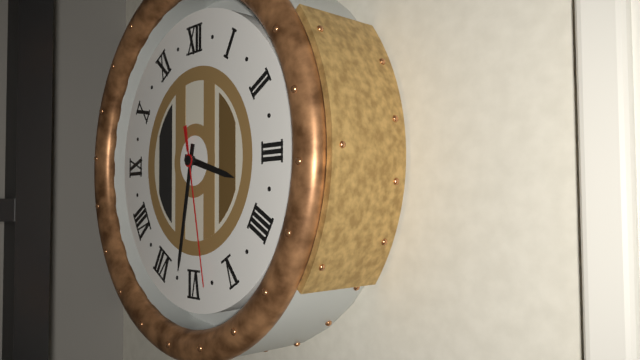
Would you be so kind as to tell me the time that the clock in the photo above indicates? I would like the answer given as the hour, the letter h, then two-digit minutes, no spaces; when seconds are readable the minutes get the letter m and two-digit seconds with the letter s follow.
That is 3h32m28s
